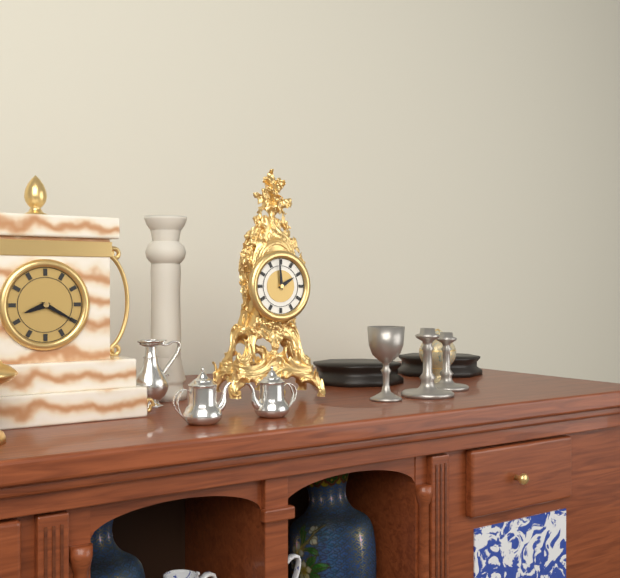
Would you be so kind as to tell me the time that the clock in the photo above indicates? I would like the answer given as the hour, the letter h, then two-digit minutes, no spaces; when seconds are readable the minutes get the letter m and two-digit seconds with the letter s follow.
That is 1h59
